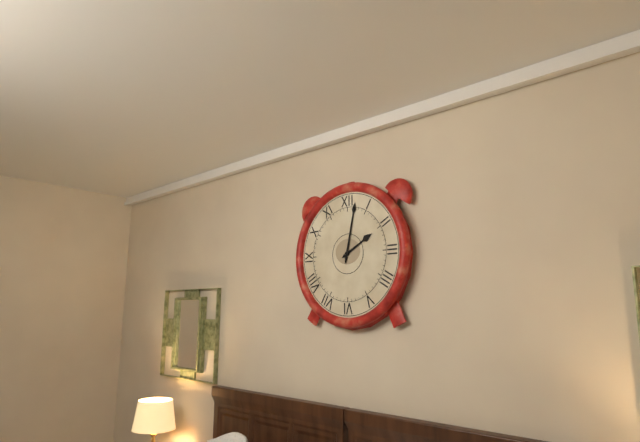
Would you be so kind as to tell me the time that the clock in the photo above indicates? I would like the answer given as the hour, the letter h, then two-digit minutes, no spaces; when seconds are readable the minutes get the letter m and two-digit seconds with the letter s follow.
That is 2h02
